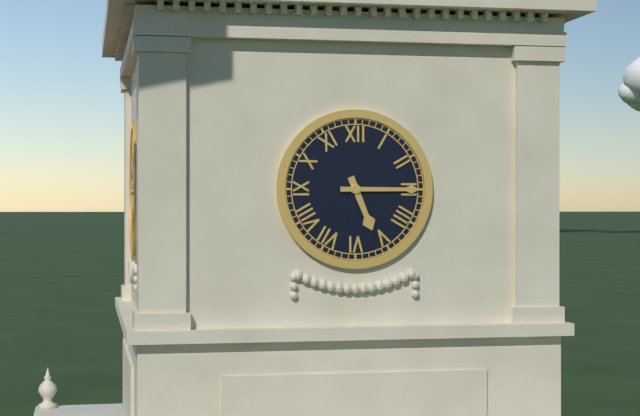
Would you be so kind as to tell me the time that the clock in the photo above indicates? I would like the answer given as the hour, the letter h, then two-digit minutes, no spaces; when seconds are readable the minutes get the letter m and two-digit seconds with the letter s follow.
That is 5h15
